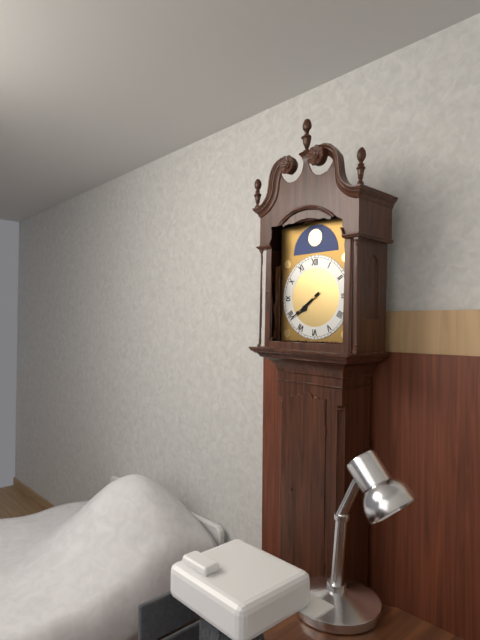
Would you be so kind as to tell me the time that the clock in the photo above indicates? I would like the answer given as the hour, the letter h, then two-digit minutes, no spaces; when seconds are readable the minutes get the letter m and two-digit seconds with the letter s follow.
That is 7h39
